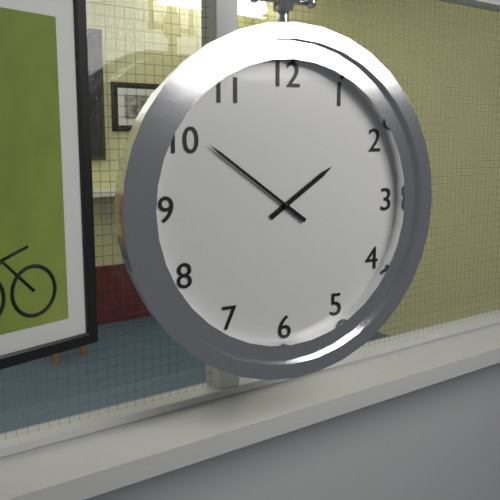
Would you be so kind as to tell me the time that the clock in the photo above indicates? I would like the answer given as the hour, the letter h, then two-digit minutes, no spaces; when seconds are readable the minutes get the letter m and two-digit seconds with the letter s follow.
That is 1h51
